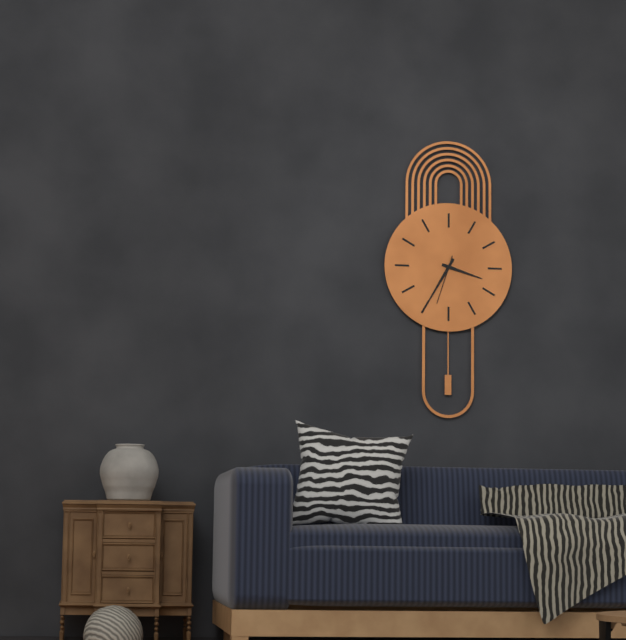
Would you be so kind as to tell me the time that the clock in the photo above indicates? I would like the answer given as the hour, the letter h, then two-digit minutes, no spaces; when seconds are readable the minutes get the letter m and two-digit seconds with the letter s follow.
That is 3h35
